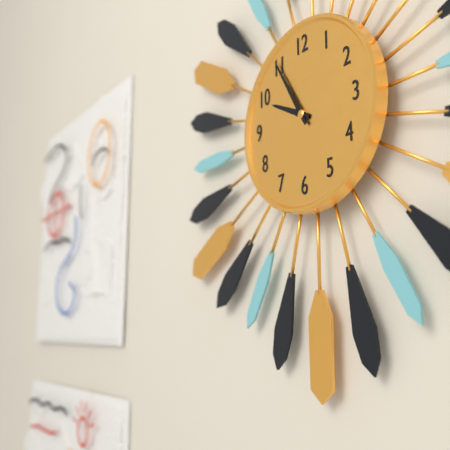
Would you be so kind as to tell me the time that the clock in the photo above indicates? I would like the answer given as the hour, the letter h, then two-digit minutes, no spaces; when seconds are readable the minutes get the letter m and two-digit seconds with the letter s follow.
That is 9h55
